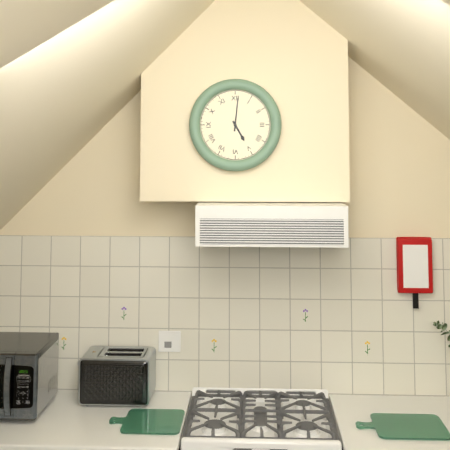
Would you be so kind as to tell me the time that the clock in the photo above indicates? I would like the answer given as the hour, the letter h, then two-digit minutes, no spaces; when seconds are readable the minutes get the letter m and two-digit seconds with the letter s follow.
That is 5h01
